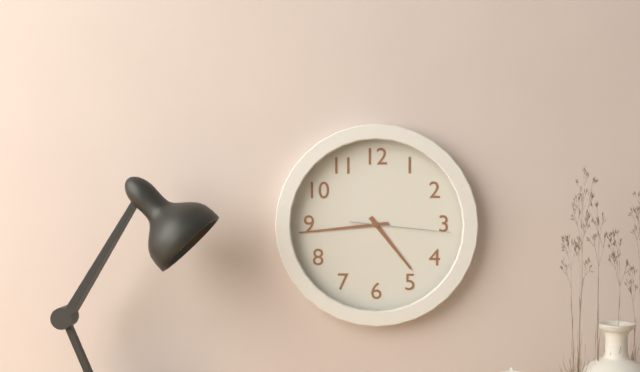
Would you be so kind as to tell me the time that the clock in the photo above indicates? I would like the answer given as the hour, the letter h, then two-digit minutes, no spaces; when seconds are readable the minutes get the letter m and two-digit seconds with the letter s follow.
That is 4h44m16s
